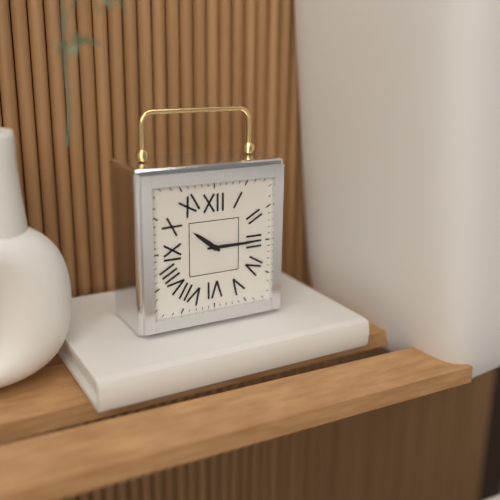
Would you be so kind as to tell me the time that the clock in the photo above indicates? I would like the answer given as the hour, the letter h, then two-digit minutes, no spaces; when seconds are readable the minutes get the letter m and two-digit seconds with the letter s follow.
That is 10h15
